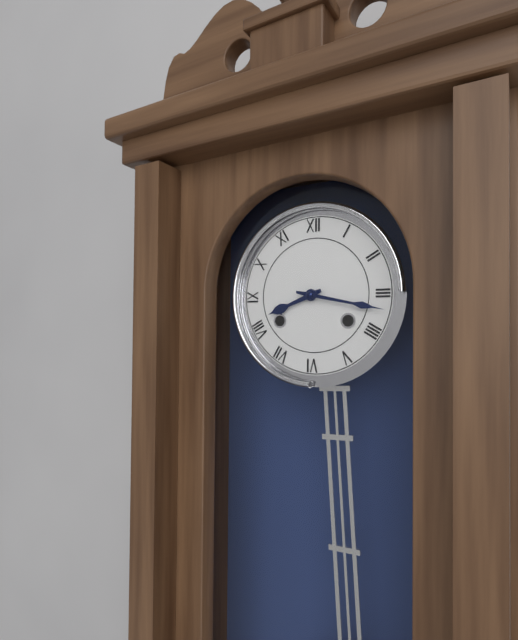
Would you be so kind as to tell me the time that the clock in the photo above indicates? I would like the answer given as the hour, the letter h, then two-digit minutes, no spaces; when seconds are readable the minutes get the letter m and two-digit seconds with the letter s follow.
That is 8h17
